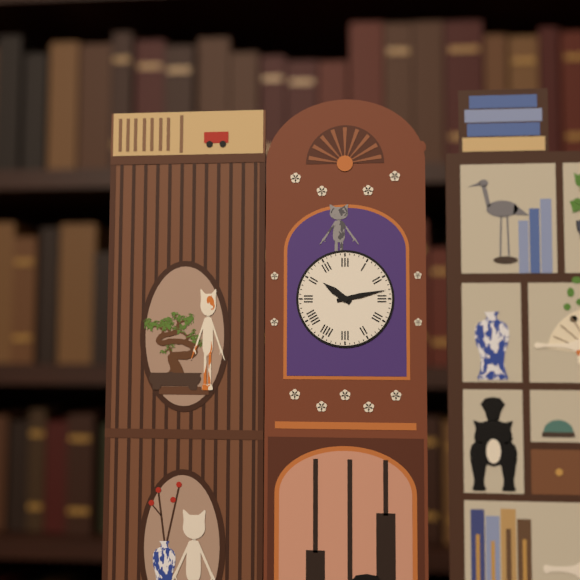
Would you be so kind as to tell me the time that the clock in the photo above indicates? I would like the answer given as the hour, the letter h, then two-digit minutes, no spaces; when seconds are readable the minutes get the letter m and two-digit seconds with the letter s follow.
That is 10h13
